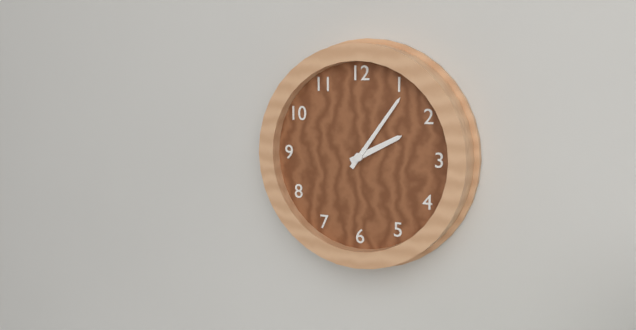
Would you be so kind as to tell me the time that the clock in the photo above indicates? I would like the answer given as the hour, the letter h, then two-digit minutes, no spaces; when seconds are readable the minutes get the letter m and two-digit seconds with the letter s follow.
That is 2h06
